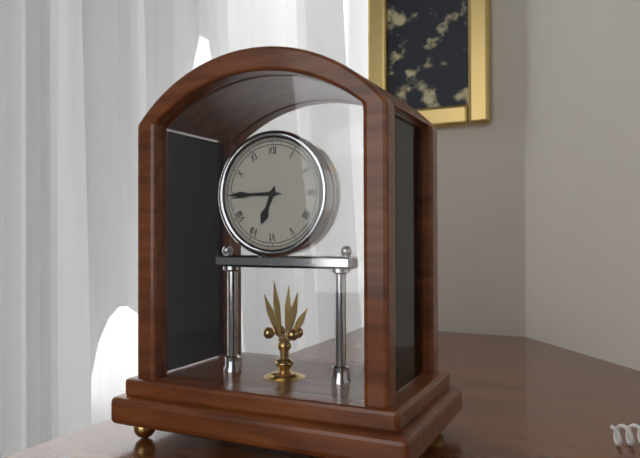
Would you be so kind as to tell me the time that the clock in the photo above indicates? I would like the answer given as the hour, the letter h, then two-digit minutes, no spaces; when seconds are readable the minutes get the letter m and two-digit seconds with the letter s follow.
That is 6h45
